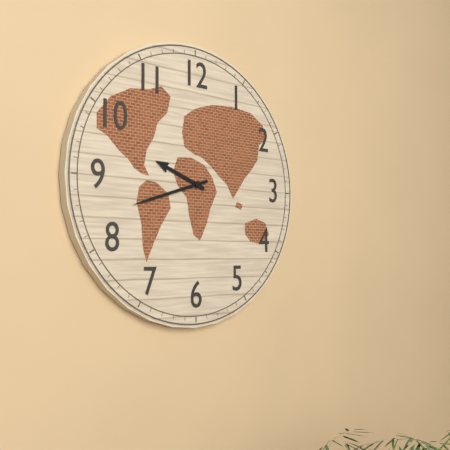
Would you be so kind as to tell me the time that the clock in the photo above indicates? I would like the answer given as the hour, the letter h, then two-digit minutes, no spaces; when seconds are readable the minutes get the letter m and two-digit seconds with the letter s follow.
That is 9h42
